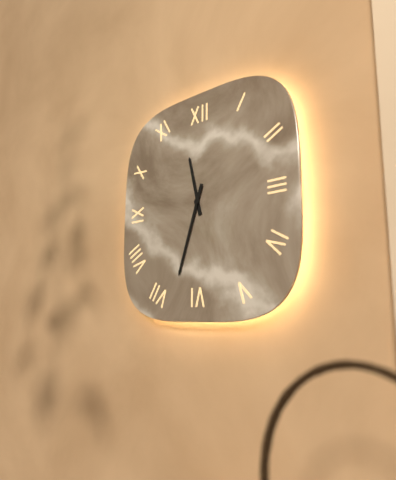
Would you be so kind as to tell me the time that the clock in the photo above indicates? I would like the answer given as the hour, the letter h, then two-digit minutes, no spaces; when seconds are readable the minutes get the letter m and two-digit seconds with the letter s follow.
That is 11h33
